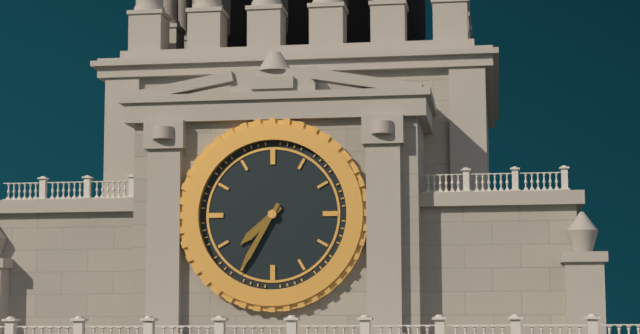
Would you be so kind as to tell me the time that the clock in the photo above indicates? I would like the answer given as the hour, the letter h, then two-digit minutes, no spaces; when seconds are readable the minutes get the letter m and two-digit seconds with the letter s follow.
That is 7h35
